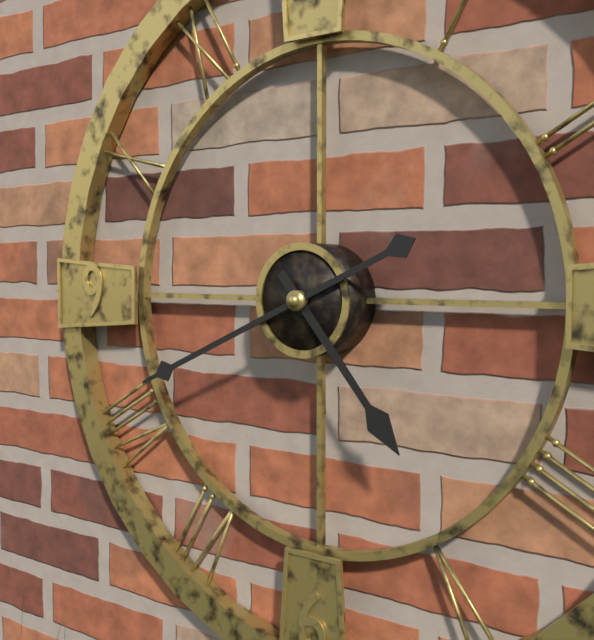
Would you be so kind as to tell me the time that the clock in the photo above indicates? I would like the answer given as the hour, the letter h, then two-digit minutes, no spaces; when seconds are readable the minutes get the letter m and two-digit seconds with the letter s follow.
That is 4h41
